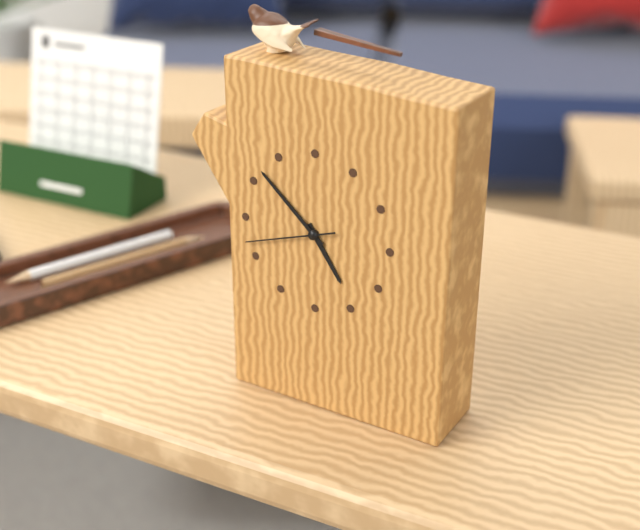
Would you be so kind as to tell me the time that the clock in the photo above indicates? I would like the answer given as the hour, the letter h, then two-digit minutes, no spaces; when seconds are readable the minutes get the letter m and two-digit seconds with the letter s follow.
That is 4h52m42s
